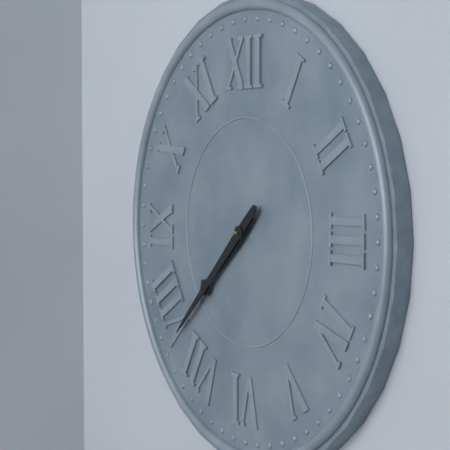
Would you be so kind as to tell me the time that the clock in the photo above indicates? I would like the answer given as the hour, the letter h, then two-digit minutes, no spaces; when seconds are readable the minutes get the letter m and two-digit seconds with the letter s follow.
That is 7h38
